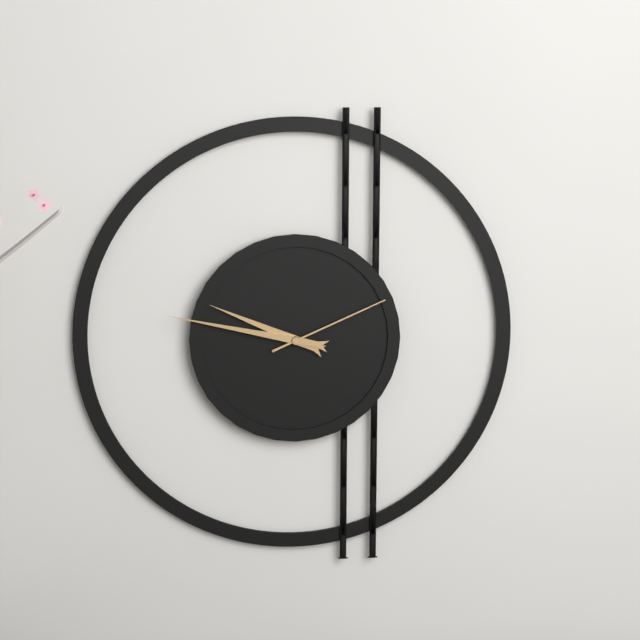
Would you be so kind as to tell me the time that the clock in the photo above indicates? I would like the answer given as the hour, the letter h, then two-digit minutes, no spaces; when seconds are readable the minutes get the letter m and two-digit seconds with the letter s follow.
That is 9h47m11s
